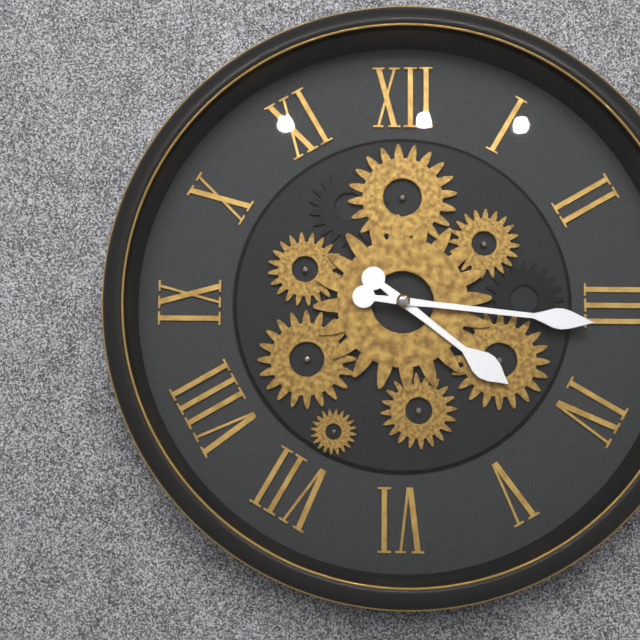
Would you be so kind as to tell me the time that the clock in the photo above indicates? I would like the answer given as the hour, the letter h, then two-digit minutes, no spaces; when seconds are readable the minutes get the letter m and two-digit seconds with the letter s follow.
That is 4h16
